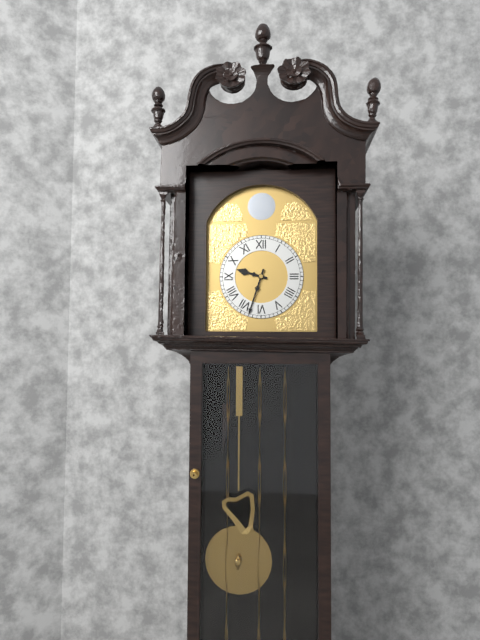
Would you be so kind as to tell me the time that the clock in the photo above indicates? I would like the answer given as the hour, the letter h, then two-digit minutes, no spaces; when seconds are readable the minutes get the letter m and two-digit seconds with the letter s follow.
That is 9h33
